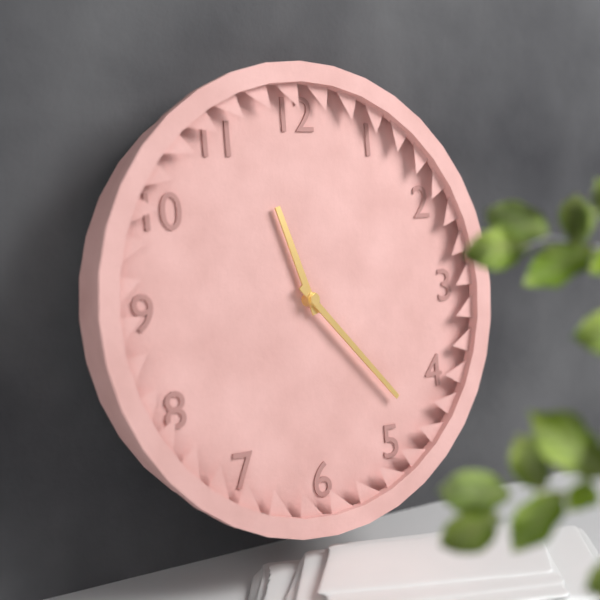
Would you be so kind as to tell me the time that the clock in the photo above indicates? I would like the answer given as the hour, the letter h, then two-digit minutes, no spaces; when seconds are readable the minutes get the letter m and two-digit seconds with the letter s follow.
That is 11h23
